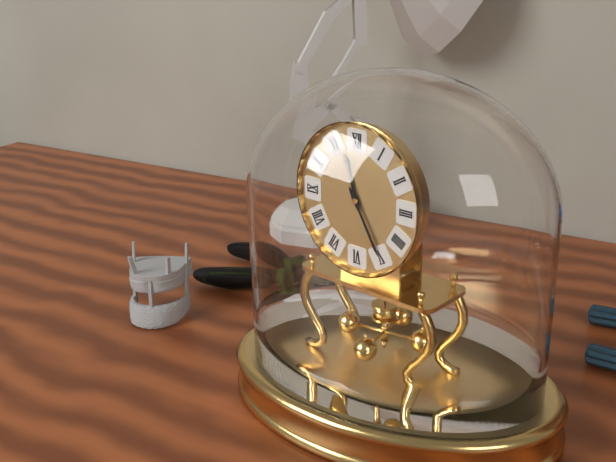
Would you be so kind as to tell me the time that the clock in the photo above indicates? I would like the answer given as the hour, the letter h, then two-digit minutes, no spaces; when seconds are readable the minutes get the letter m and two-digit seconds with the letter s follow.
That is 11h25
